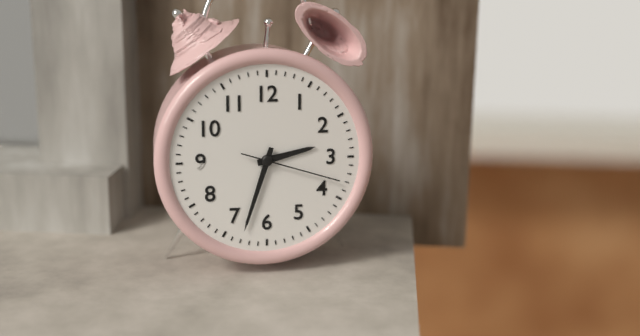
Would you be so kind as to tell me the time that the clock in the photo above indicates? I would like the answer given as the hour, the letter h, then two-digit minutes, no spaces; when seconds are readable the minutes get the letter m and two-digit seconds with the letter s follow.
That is 2h33m18s
